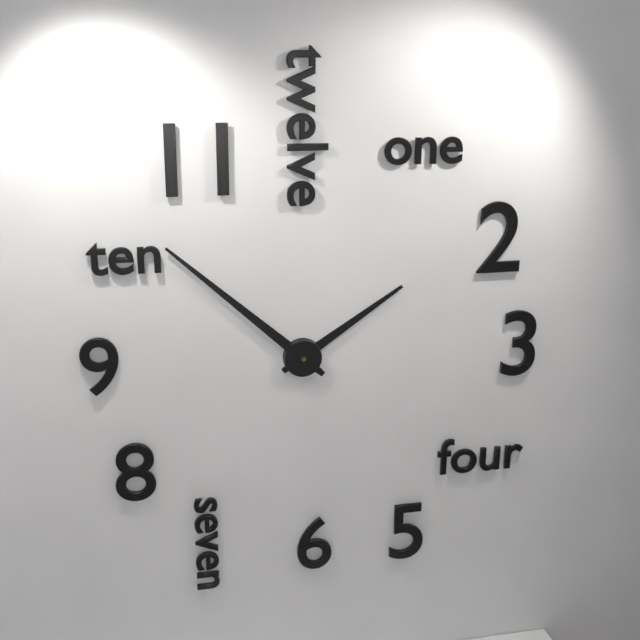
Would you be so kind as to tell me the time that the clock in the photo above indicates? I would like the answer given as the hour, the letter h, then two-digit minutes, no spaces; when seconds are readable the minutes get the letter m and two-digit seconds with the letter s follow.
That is 1h52
